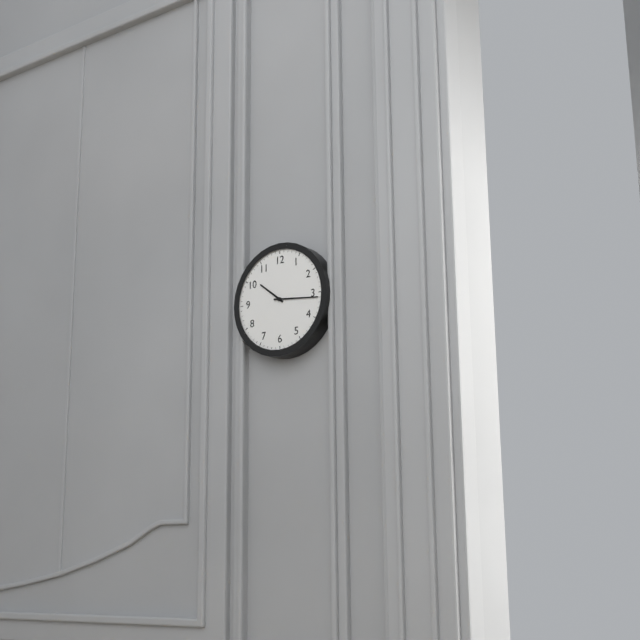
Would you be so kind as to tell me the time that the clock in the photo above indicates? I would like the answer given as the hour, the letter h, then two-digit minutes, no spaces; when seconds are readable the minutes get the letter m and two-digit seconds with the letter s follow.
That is 10h16
